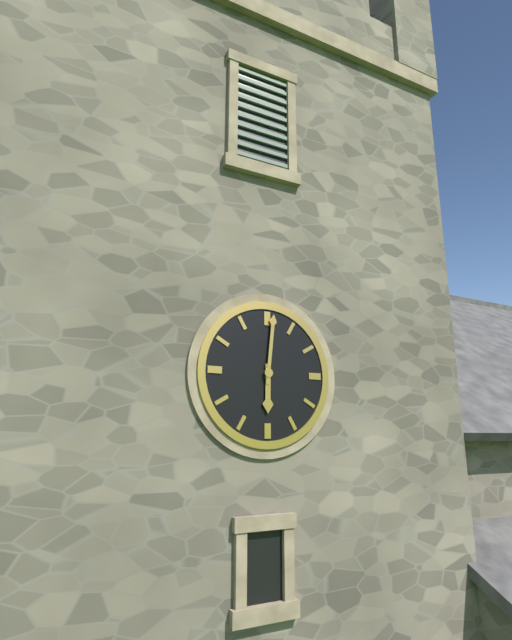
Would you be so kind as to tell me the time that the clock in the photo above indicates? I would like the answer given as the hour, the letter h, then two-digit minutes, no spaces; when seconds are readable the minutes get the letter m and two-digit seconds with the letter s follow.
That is 6h01
